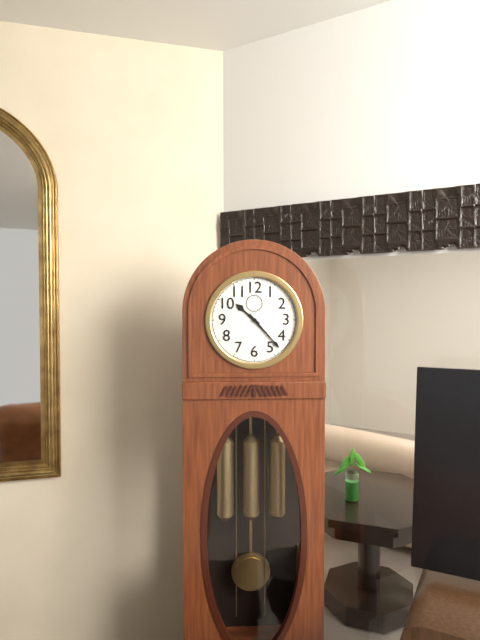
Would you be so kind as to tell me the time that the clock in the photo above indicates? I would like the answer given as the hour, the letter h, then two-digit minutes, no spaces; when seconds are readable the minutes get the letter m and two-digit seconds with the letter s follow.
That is 10h23
